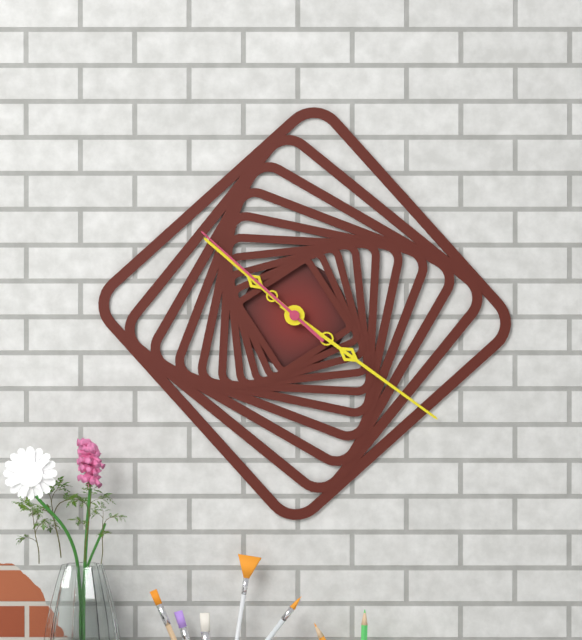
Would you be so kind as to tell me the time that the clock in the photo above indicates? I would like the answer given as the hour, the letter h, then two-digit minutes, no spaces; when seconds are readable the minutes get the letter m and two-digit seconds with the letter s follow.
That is 10h21m52s
